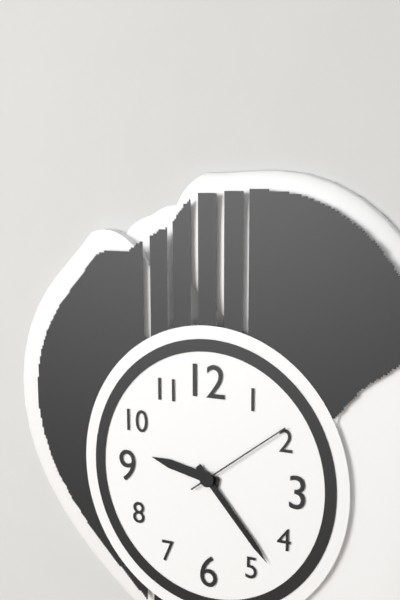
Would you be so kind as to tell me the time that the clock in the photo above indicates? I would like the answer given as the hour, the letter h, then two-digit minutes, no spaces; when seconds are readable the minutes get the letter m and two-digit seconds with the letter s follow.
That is 9h23m09s
